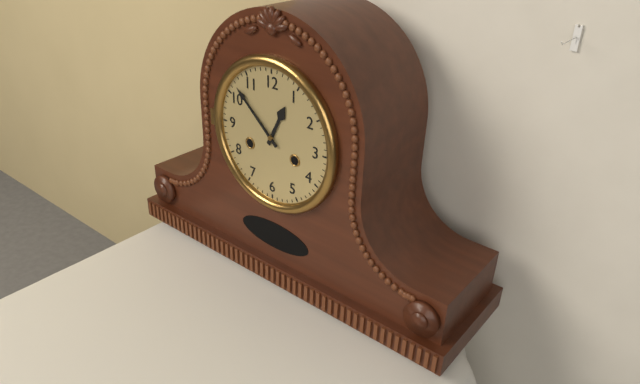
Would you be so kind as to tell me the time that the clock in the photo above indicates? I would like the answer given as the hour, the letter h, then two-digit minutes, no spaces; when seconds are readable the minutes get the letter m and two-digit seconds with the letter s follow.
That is 12h52
